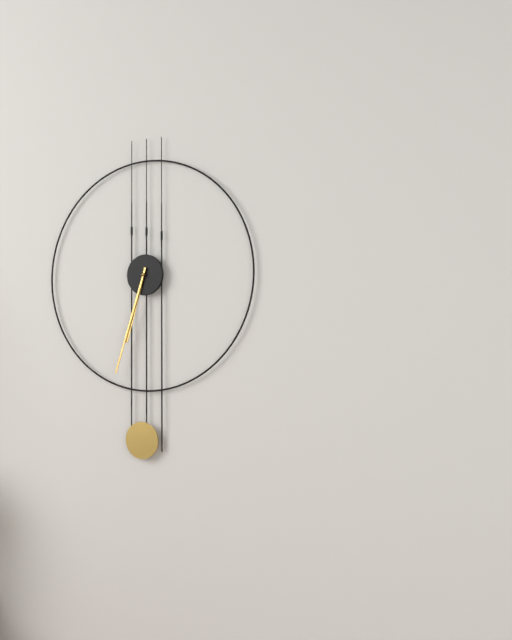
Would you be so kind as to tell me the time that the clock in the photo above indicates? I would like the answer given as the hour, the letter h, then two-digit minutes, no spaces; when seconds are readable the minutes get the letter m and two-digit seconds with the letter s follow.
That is 6h33
